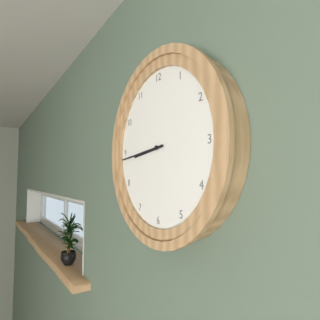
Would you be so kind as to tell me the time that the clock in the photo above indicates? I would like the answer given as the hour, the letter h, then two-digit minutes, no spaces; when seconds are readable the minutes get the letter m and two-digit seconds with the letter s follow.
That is 8h44
